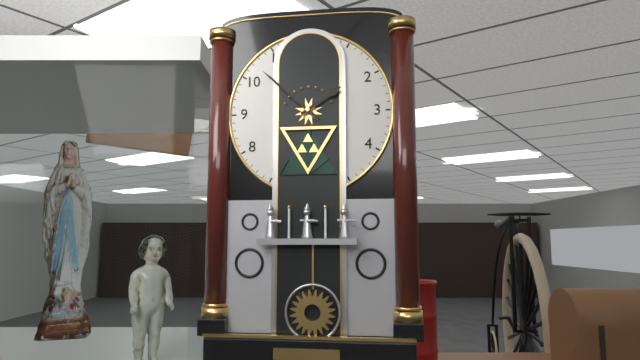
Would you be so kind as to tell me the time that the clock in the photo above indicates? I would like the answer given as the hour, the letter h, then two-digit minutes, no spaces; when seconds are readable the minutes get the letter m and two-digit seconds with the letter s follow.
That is 1h52
